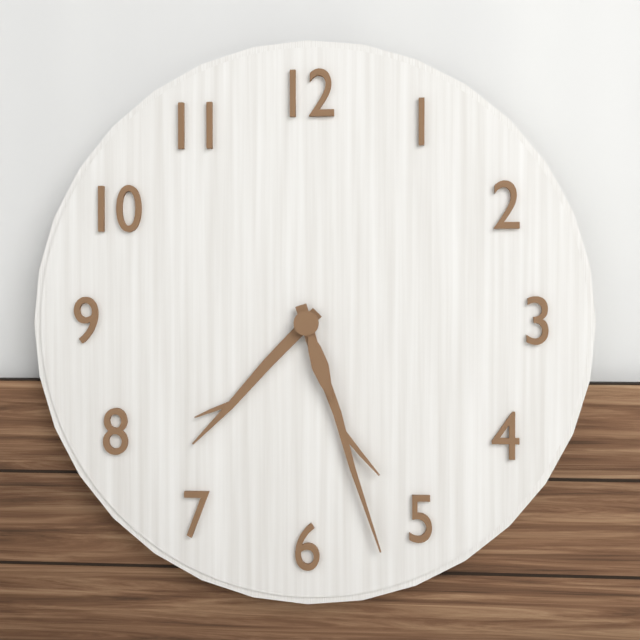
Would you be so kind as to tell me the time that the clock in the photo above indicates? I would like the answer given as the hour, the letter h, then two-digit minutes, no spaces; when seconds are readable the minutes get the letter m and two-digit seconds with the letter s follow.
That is 7h27m27s
